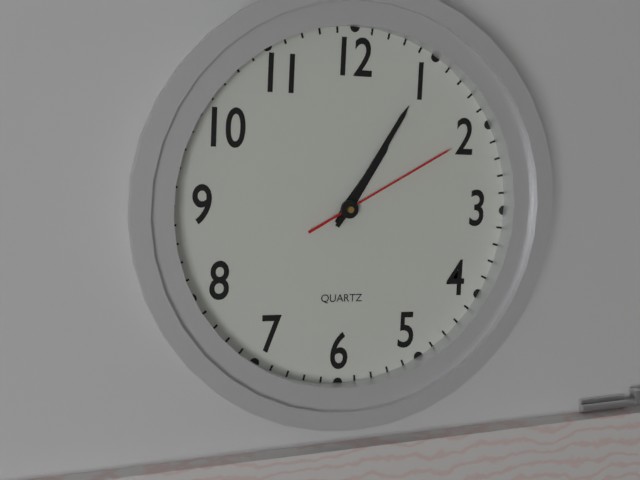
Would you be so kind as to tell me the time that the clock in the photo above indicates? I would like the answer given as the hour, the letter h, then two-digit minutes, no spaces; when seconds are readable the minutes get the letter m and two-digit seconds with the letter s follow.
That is 1h05m10s
